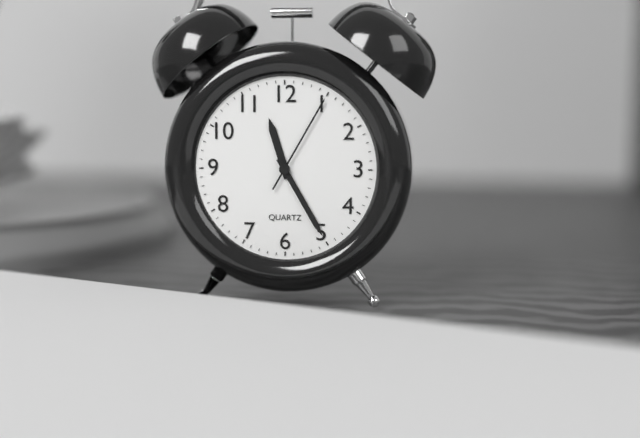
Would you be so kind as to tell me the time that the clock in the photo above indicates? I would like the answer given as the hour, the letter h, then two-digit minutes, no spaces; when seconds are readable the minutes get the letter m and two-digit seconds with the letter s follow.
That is 11h25m05s
